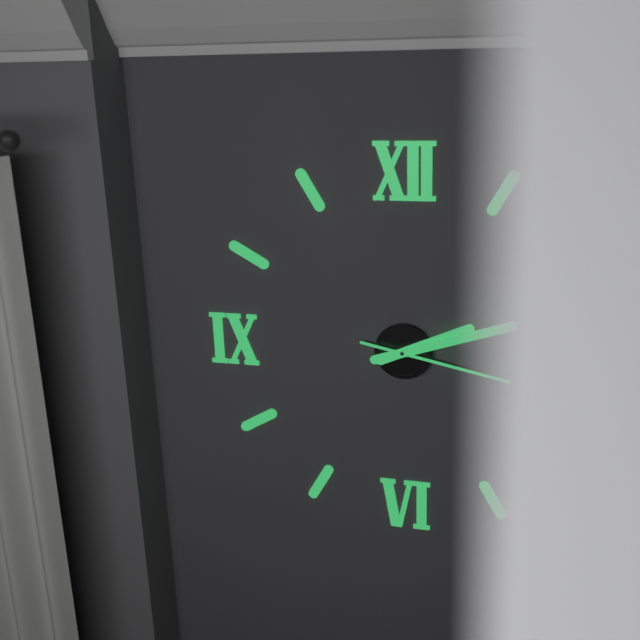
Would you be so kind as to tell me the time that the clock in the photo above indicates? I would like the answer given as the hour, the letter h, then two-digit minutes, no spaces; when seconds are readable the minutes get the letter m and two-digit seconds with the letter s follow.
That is 2h12m17s
